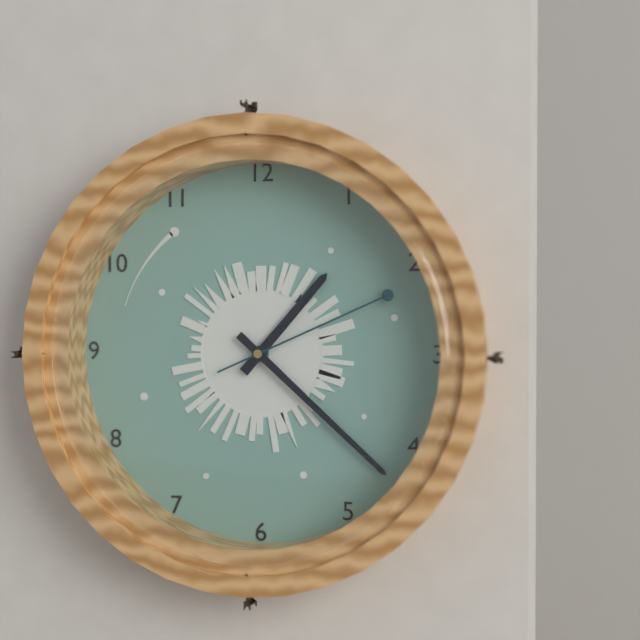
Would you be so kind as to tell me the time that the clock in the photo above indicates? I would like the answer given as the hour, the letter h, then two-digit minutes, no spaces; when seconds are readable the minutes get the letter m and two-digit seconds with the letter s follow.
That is 1h22m11s
